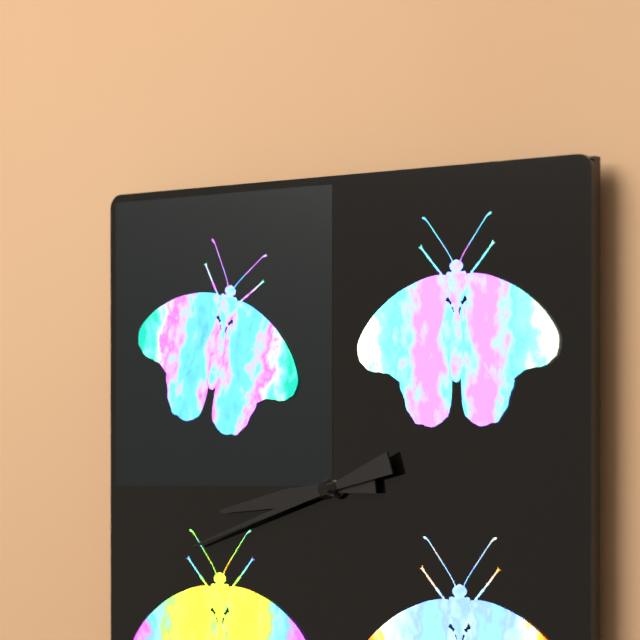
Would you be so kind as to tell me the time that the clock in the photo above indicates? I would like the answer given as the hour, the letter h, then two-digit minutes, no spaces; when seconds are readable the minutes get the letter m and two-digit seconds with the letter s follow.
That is 8h42
